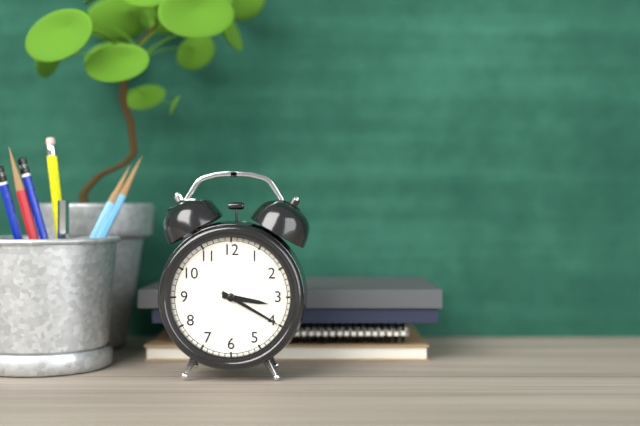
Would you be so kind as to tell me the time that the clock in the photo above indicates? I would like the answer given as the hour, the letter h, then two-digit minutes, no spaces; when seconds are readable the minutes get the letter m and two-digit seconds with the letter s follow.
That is 3h20
